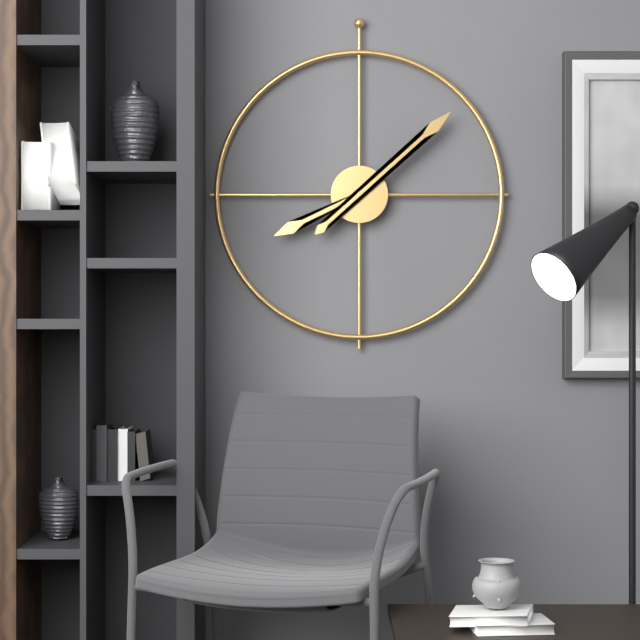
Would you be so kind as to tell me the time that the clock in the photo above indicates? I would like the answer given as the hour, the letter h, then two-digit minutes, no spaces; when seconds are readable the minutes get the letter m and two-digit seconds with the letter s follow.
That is 8h08
